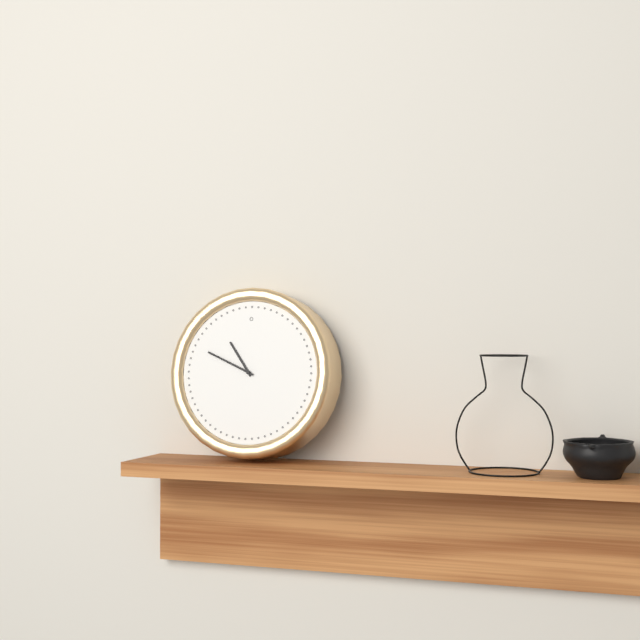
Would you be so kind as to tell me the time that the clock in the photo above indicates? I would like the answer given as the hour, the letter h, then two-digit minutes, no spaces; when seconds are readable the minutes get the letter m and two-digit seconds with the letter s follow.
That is 10h49
